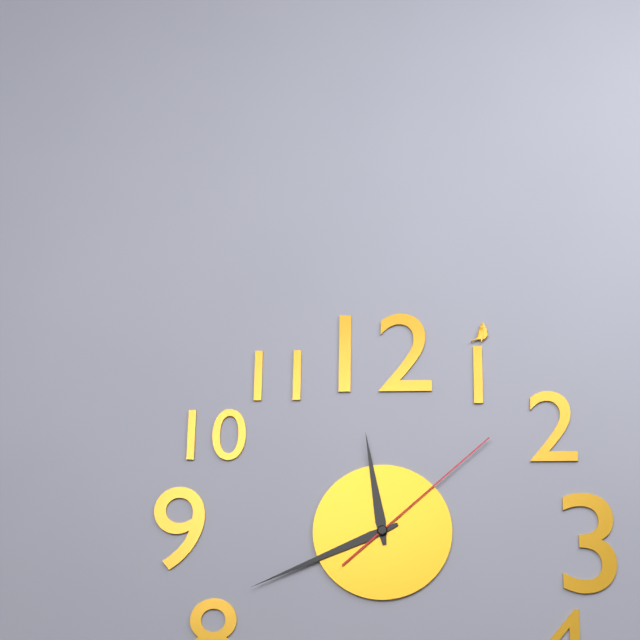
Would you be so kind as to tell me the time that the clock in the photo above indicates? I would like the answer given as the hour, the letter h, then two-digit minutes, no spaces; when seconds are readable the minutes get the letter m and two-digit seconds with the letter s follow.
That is 11h41m08s
